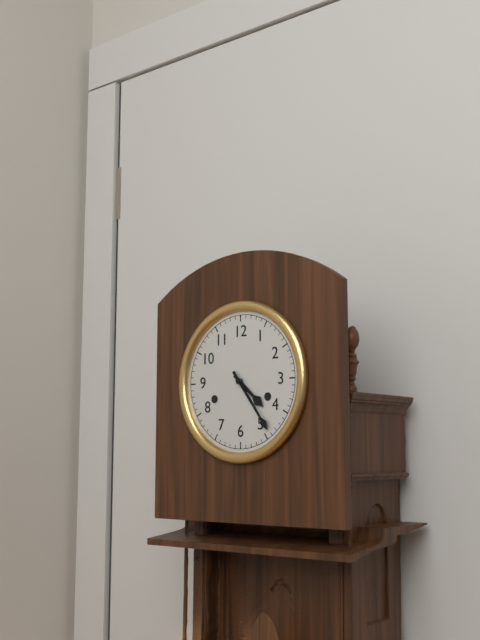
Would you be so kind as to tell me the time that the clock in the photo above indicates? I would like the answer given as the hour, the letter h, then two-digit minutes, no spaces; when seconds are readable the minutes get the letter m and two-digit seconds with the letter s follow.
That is 4h24
